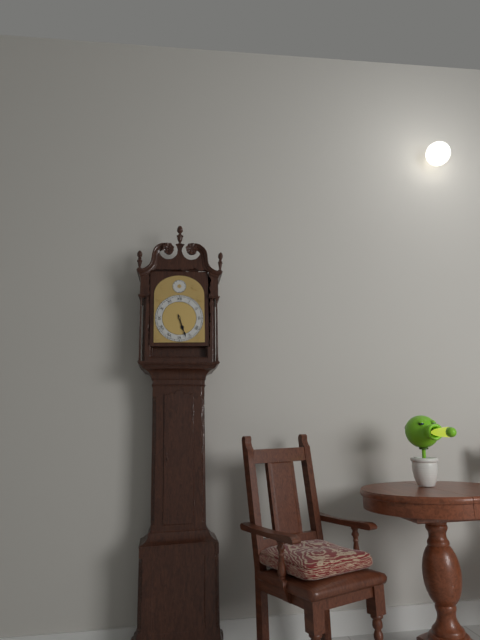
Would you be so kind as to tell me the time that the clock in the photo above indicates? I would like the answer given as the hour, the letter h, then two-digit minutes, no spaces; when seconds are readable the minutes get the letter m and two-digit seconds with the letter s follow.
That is 5h27
